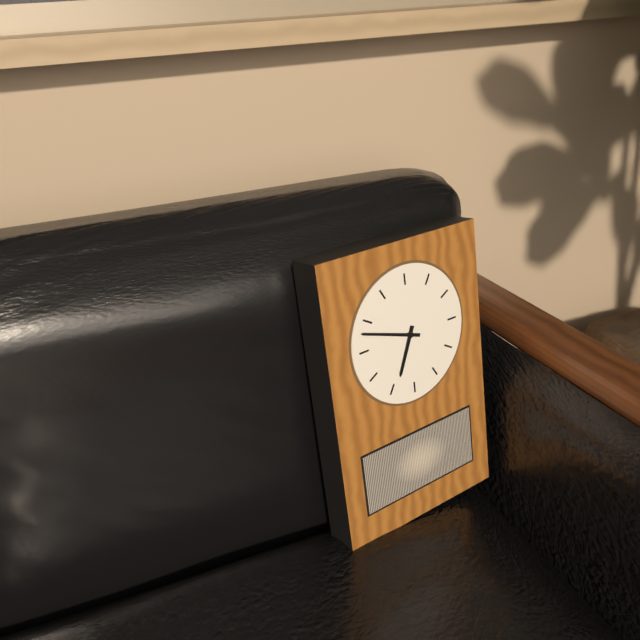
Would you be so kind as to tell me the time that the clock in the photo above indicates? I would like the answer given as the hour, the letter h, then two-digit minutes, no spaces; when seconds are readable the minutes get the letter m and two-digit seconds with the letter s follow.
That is 6h48
